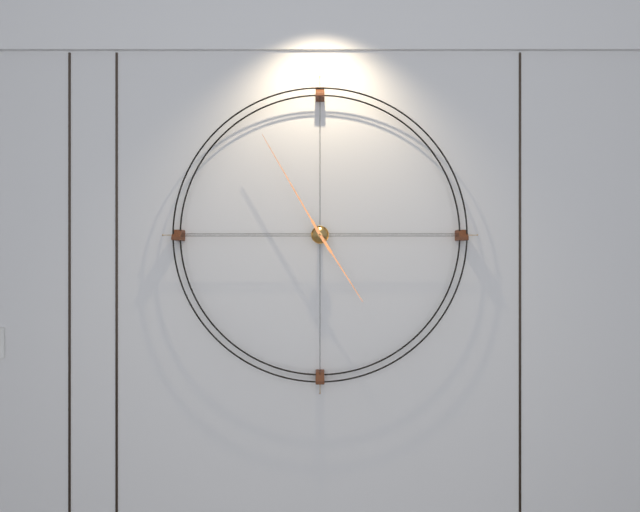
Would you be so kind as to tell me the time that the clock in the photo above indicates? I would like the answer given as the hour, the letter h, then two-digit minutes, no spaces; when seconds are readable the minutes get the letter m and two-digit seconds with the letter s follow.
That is 4h55
